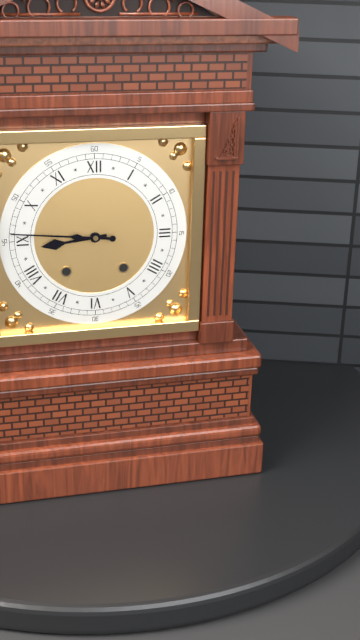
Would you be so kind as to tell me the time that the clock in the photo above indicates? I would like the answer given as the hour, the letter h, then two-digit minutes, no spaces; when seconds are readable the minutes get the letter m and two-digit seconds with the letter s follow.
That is 8h46
